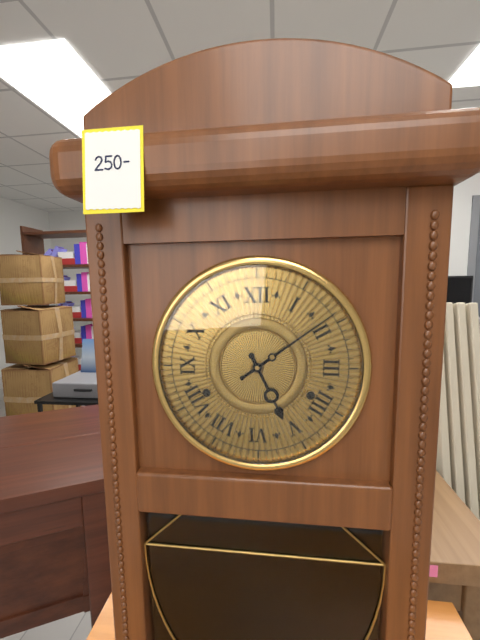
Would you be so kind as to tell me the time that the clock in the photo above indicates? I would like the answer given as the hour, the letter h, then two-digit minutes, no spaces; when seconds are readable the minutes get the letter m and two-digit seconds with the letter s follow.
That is 5h09
